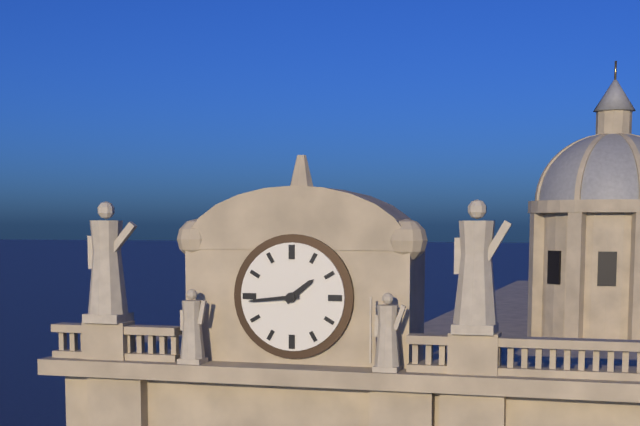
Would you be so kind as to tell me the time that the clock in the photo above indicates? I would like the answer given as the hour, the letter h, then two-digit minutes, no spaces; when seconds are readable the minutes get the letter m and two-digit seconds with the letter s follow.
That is 1h44
